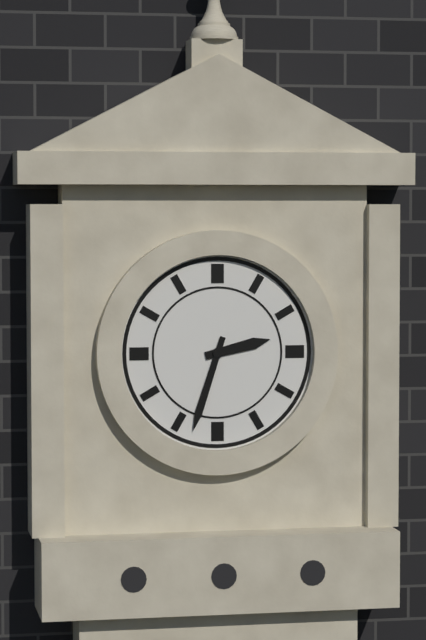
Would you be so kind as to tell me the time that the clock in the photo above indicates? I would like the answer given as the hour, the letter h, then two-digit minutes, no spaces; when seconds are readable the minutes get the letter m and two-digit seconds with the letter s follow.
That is 2h33
